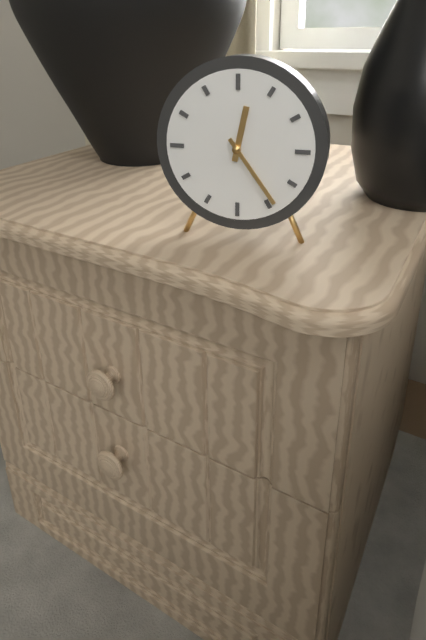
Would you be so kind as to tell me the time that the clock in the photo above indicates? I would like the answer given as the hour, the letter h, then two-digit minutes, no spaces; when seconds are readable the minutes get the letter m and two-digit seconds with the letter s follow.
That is 12h24
